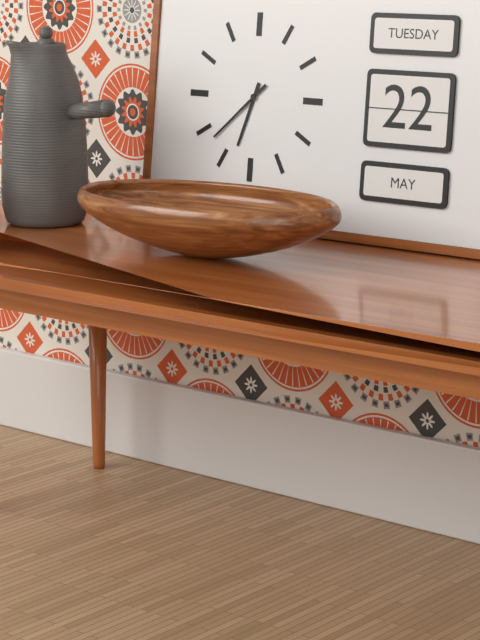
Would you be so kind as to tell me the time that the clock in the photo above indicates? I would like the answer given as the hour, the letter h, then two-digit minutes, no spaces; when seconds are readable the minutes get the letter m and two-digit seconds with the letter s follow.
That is 6h38
